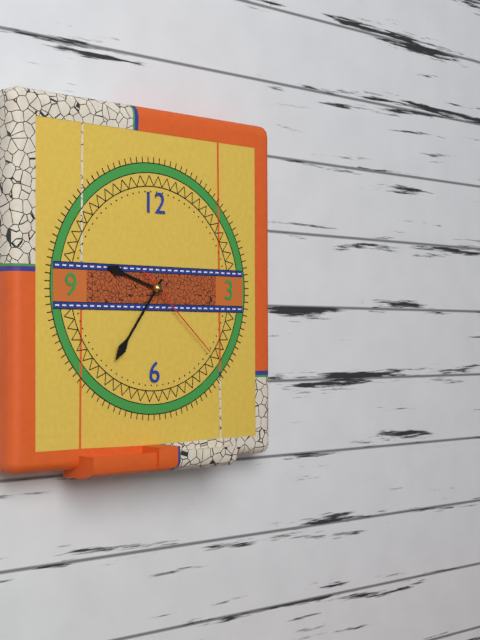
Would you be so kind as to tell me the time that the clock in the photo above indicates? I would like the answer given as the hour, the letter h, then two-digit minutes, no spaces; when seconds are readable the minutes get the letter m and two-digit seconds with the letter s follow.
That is 9h36m22s
